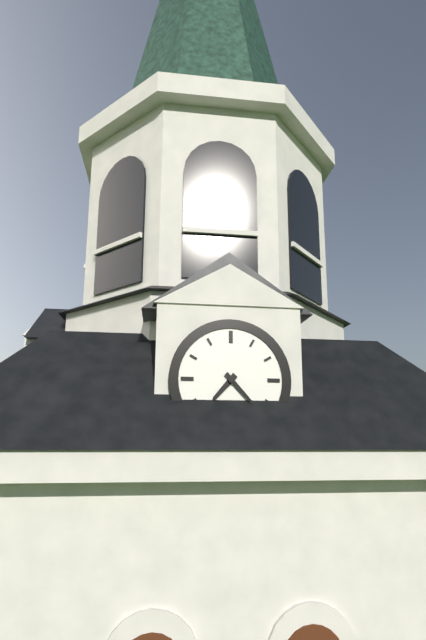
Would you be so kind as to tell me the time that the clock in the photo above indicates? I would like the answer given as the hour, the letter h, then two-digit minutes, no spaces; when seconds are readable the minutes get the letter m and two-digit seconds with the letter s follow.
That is 7h23
